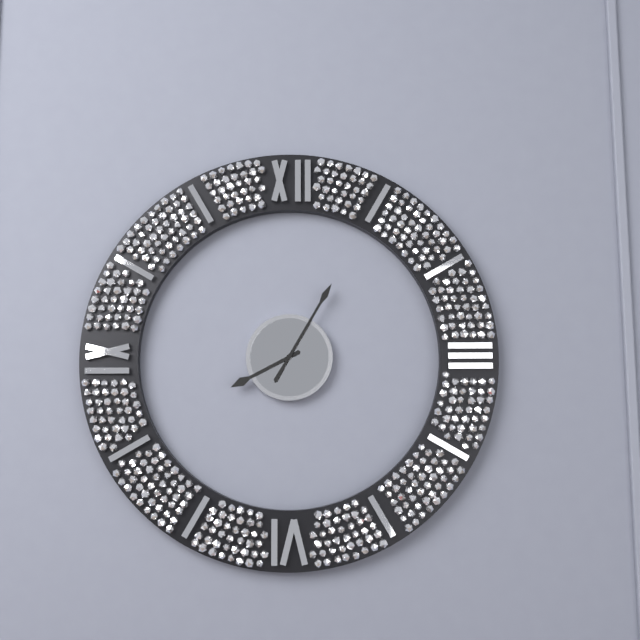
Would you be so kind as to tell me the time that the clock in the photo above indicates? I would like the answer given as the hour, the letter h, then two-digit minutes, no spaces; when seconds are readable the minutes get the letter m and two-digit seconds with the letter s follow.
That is 8h05
